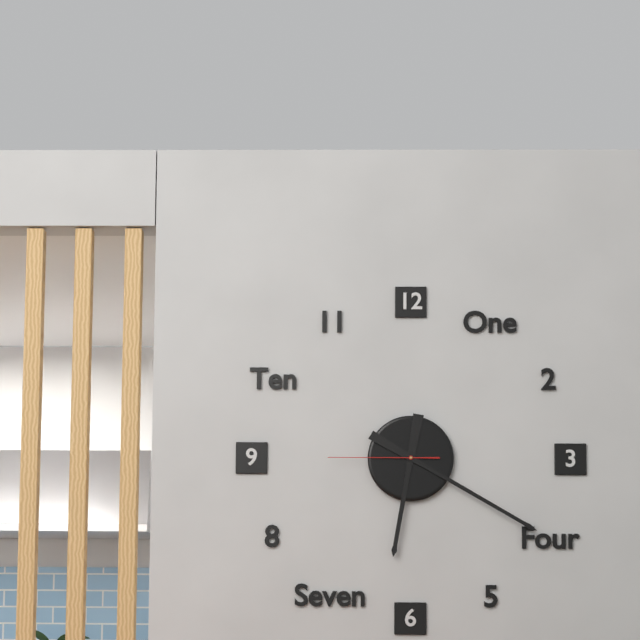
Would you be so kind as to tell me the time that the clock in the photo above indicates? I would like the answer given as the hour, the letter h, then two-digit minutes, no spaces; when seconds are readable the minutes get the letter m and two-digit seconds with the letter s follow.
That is 6h20m45s
